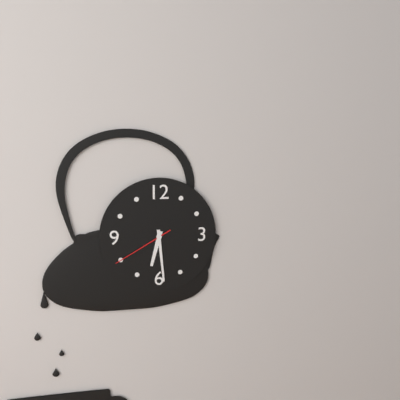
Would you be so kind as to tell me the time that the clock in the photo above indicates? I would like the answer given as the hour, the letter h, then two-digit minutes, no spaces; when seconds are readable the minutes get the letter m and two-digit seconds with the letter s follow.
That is 6h29m40s
